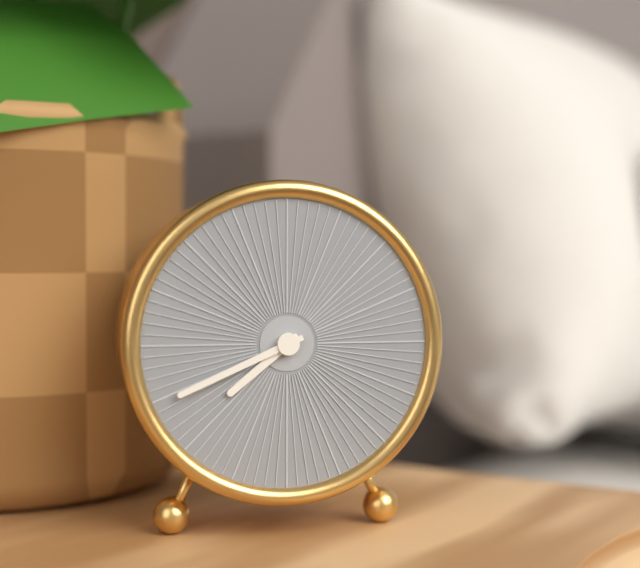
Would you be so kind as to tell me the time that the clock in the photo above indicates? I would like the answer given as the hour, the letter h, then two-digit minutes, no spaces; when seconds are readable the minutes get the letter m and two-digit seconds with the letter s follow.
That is 7h41
